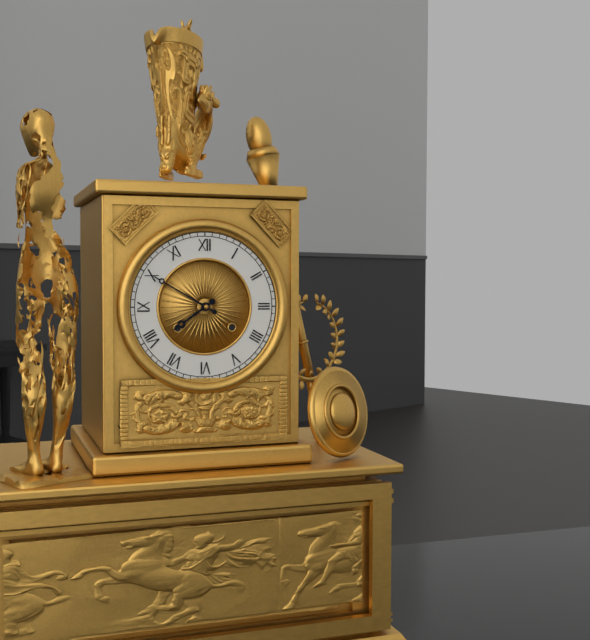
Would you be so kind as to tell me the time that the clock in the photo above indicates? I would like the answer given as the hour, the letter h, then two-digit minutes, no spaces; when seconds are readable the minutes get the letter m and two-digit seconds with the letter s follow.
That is 7h50
